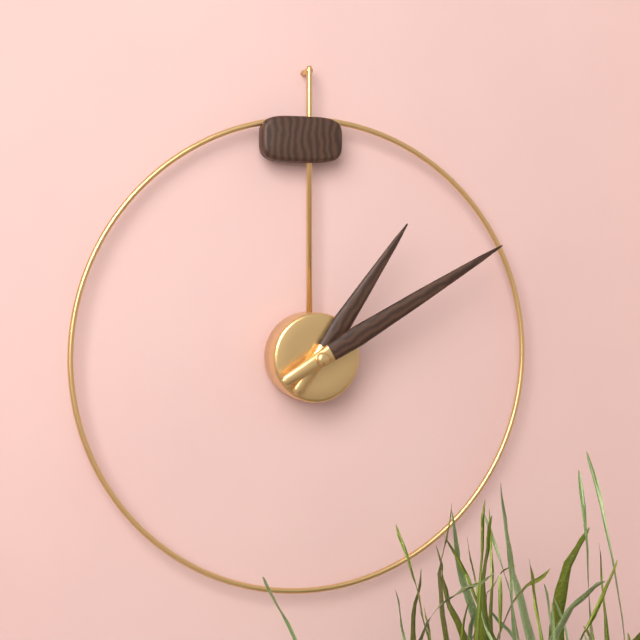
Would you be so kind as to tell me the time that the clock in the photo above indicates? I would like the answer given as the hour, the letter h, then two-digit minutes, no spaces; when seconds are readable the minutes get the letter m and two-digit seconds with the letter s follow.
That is 1h10
